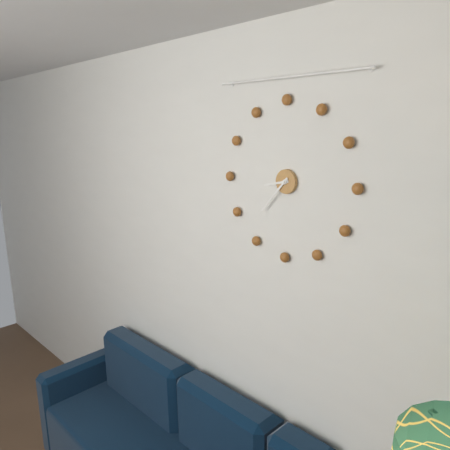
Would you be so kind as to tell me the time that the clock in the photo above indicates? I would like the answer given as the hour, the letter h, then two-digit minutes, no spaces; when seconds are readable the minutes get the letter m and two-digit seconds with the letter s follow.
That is 8h37
